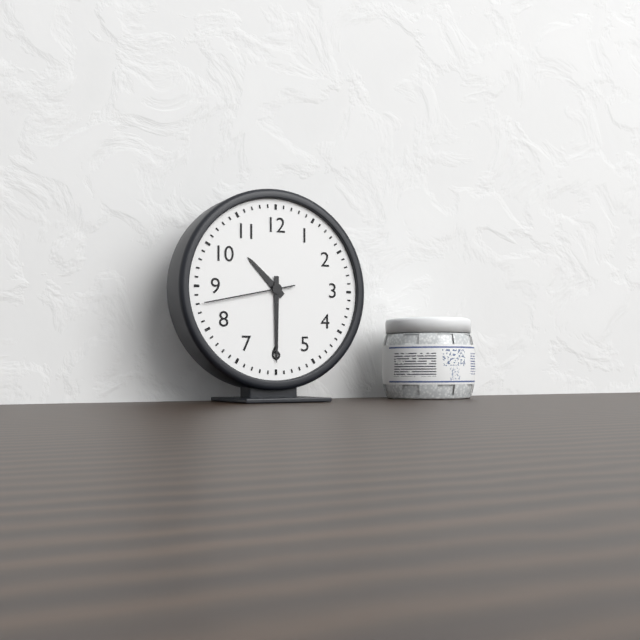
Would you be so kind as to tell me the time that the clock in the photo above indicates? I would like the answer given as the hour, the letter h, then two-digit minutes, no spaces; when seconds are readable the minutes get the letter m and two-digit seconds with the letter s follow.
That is 10h30m43s
